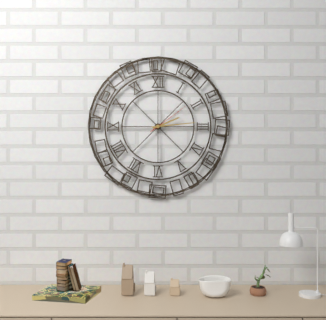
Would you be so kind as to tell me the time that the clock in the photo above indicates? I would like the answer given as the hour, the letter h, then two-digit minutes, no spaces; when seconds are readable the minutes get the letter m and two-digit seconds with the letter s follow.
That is 2h14
